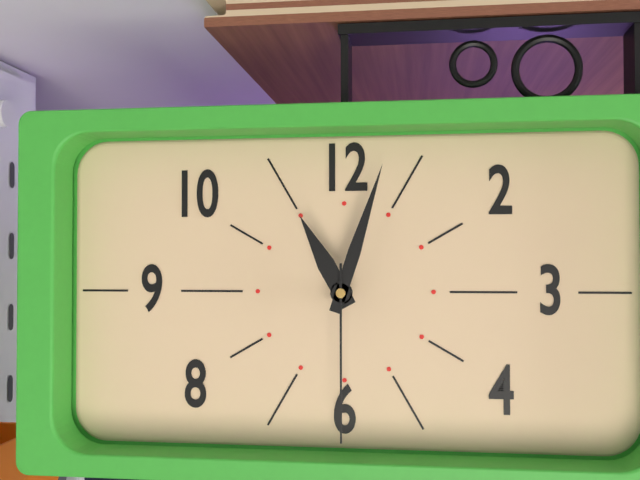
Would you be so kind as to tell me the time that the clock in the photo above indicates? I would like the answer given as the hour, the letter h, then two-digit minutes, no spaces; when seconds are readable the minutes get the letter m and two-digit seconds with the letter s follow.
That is 11h03m30s
